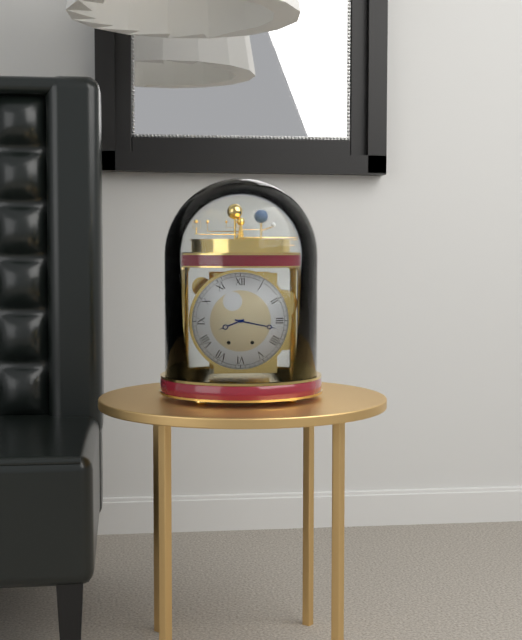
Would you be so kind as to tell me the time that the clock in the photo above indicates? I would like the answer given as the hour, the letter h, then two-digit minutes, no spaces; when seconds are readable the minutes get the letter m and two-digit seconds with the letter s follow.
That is 8h17
